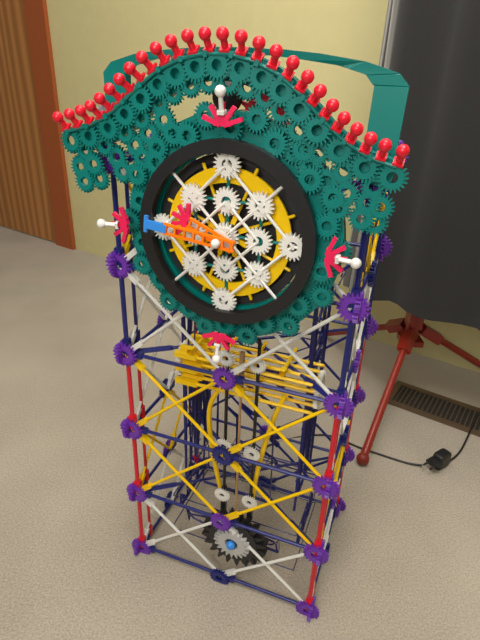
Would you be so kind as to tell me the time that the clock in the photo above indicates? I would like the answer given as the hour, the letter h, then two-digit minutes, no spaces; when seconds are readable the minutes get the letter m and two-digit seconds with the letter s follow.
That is 9h46
